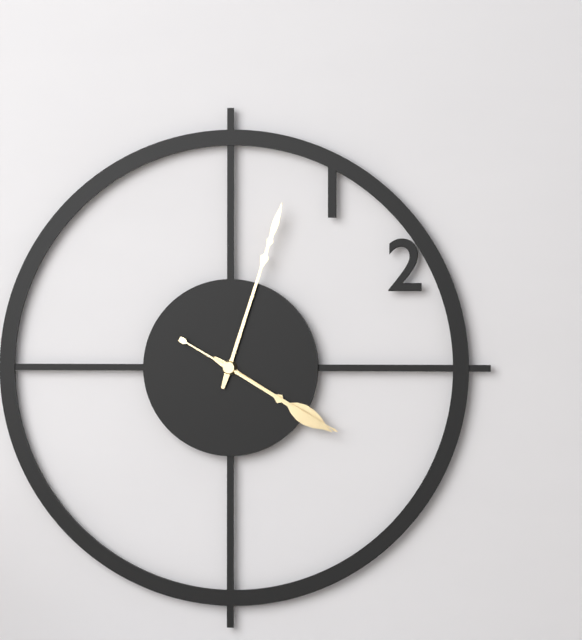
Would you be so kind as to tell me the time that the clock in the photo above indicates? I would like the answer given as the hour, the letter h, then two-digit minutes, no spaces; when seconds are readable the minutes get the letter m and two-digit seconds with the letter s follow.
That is 4h03m20s
